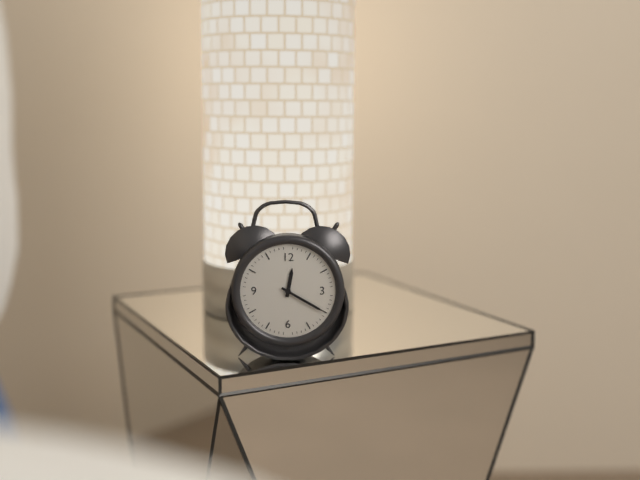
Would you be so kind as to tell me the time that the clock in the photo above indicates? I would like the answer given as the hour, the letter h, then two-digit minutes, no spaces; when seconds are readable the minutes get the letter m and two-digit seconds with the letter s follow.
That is 12h20
